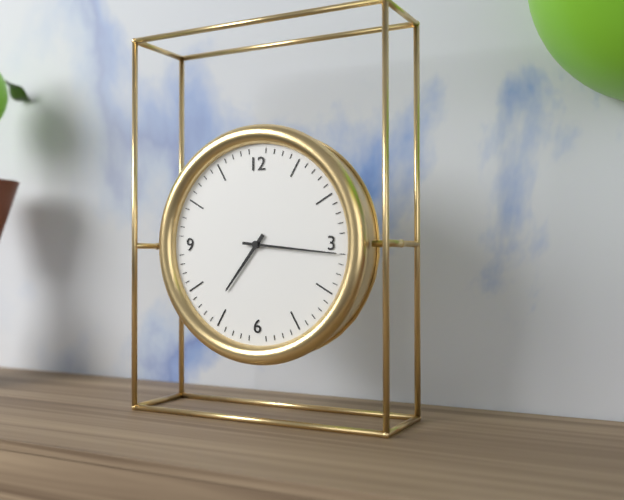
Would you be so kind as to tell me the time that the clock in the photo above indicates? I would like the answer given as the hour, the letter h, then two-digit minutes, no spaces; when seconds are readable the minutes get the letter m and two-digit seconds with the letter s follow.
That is 7h16
